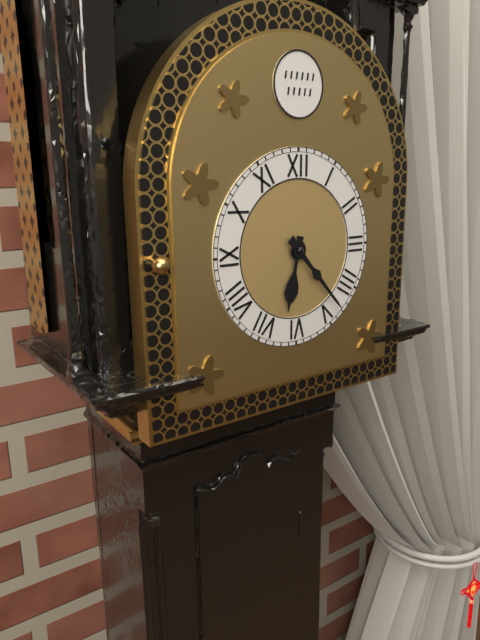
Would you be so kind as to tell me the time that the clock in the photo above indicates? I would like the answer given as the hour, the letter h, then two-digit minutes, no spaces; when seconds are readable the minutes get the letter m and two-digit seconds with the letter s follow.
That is 6h23
